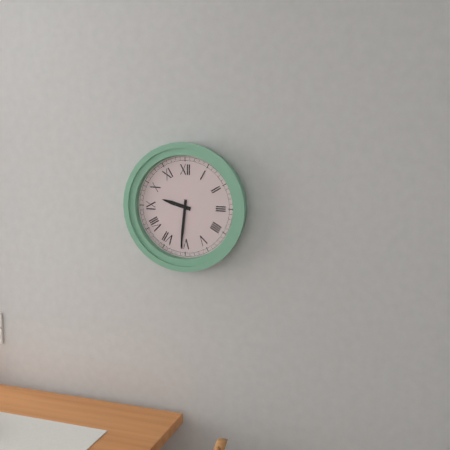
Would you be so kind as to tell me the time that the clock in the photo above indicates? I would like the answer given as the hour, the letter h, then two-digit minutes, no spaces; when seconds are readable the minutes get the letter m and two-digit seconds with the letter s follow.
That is 9h31
